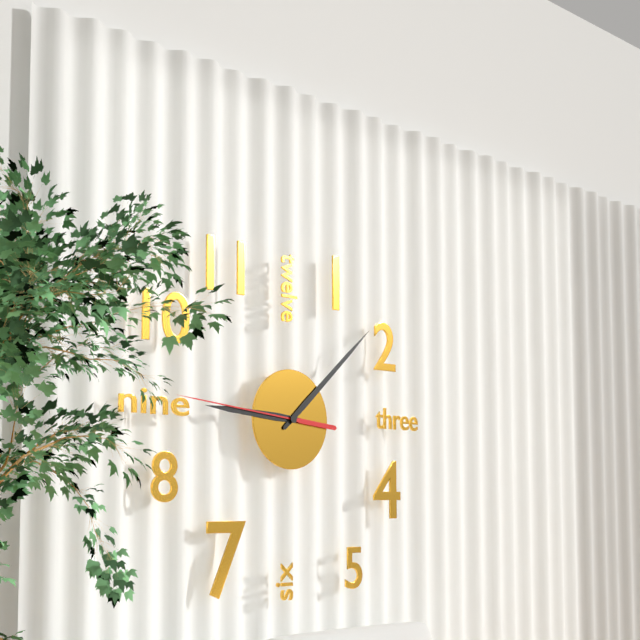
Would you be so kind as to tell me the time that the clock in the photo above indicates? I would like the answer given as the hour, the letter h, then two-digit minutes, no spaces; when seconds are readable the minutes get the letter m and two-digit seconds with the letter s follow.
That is 9h08m46s
